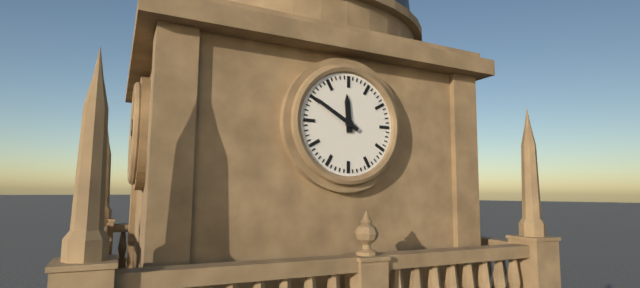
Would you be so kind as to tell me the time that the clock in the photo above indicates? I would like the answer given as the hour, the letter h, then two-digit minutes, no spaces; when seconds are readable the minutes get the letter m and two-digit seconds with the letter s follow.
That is 11h50
